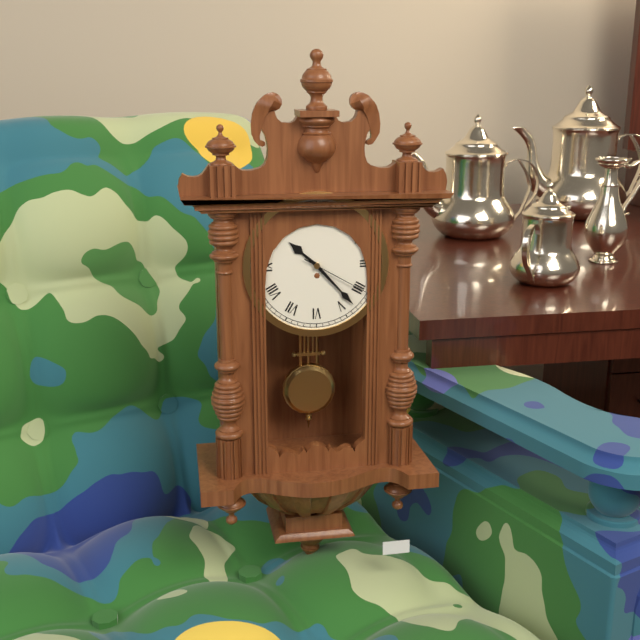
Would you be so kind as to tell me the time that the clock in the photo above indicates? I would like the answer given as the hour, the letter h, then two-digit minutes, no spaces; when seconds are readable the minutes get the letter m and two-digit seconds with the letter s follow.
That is 10h23m20s
